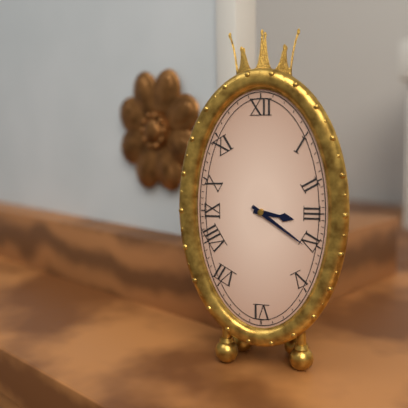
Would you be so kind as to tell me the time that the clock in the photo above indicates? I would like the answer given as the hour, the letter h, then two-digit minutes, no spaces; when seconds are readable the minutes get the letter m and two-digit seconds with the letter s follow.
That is 3h21
